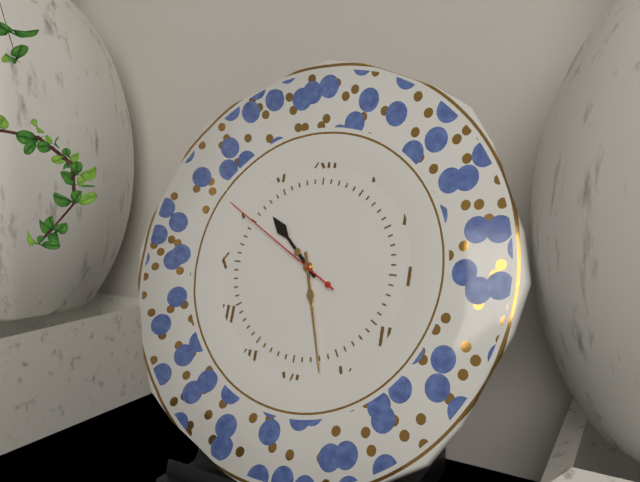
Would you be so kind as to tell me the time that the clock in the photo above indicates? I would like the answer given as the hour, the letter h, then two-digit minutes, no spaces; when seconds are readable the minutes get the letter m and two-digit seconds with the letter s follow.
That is 10h27m50s
